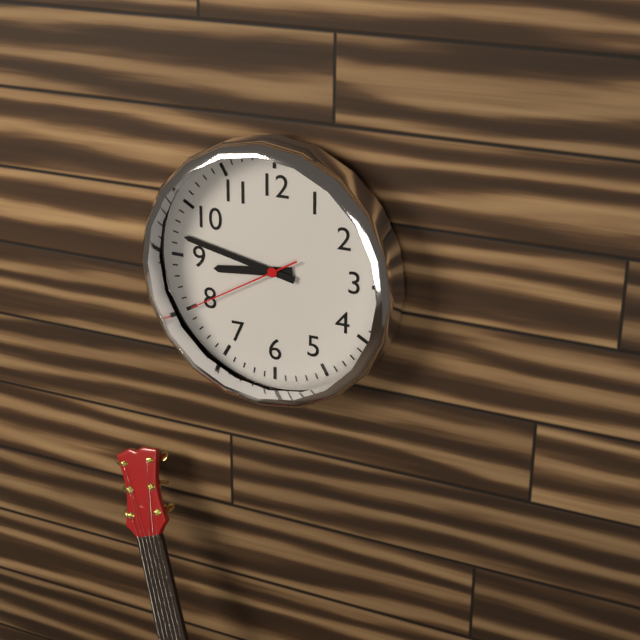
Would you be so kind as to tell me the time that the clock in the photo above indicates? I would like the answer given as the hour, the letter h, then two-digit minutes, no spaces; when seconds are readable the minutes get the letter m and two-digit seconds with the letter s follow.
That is 8h47m40s
